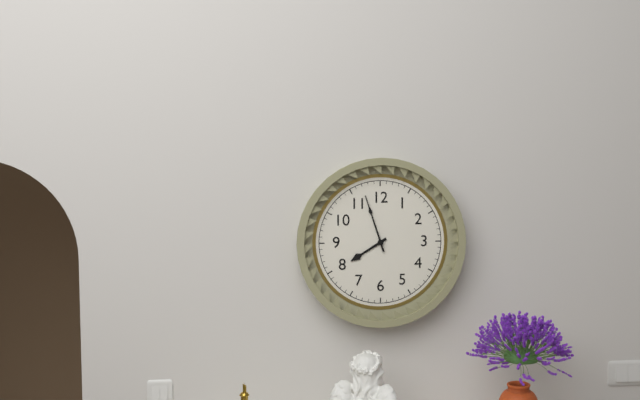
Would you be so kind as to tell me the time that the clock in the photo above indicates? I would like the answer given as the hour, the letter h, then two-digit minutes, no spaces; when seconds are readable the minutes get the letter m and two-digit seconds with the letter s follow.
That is 7h57
